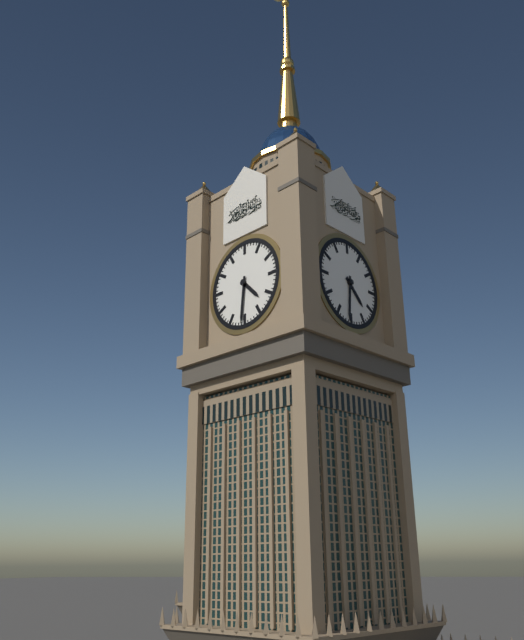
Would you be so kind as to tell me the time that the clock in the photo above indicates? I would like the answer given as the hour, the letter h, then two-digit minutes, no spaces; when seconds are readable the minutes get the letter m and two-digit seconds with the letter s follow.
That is 4h31
